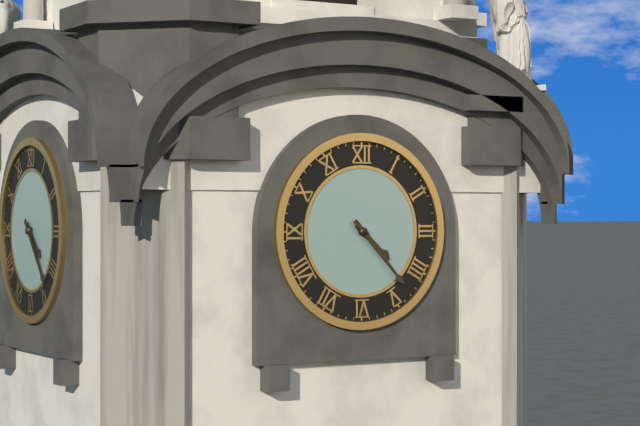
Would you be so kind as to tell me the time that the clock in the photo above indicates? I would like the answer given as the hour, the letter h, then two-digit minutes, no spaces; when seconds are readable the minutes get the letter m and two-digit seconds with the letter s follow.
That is 4h23
